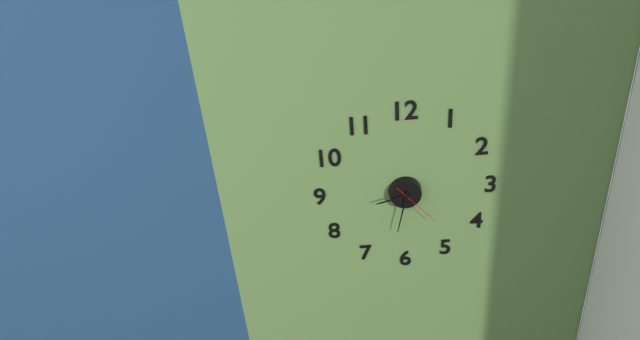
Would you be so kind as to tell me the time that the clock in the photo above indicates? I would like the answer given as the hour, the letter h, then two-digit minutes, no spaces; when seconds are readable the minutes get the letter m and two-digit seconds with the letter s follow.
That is 8h32m23s
